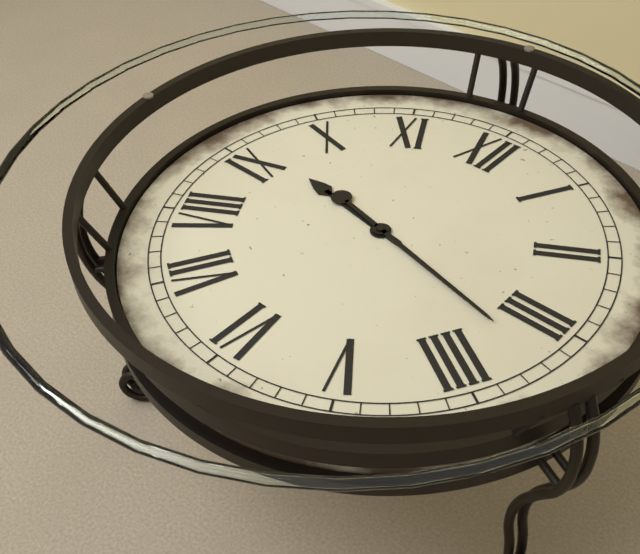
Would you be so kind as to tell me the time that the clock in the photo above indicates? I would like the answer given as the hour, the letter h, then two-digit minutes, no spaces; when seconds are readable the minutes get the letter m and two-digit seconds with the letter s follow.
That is 9h17
